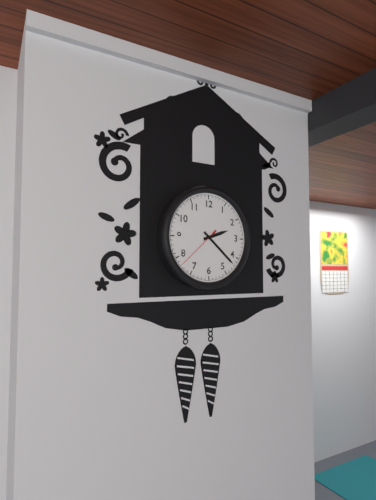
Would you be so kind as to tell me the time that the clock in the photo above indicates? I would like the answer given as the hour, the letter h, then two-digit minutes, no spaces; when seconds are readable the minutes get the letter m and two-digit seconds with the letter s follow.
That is 2h22
